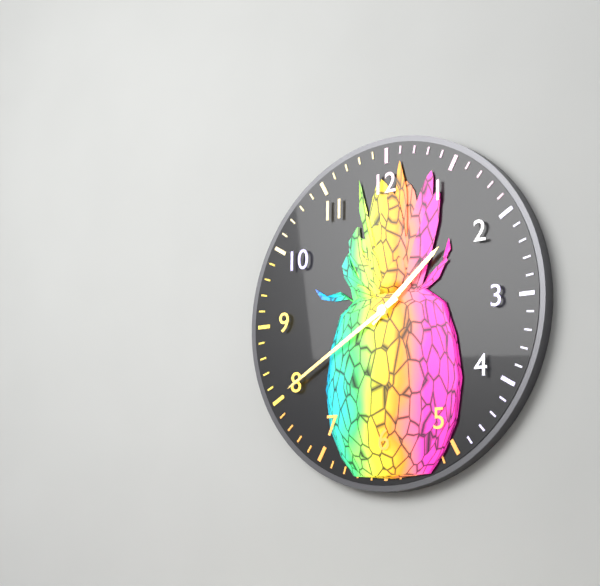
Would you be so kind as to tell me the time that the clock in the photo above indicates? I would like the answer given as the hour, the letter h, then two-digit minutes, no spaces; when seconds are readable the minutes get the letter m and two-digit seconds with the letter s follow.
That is 1h40
